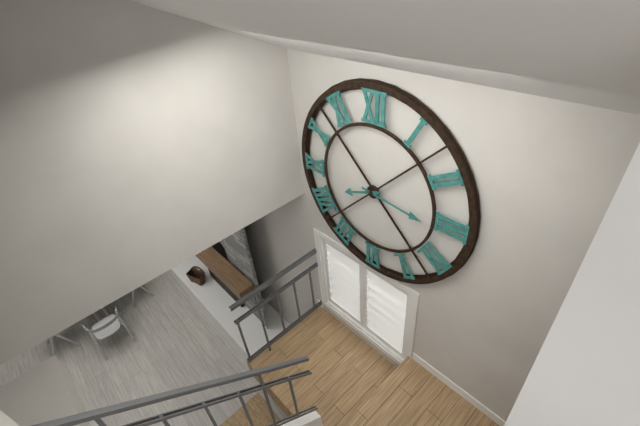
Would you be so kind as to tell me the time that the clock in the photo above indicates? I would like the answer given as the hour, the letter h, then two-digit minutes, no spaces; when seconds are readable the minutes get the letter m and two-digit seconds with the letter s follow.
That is 8h16
